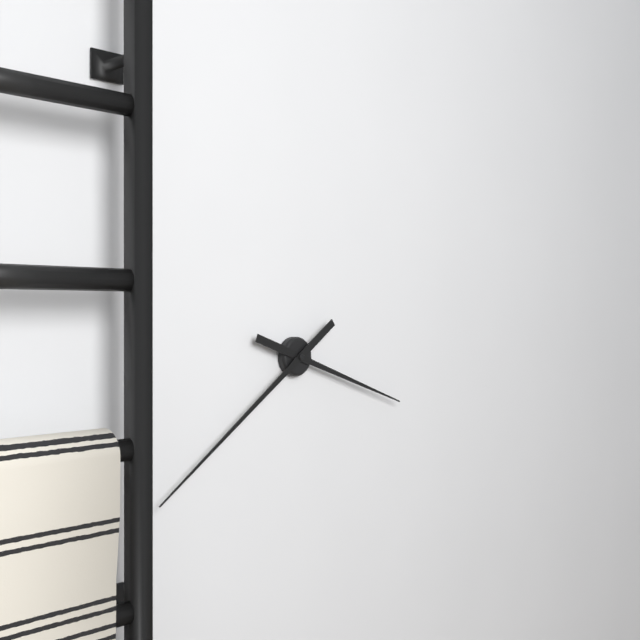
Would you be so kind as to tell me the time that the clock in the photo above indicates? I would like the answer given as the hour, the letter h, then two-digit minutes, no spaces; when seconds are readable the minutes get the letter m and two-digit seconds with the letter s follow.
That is 3h39
